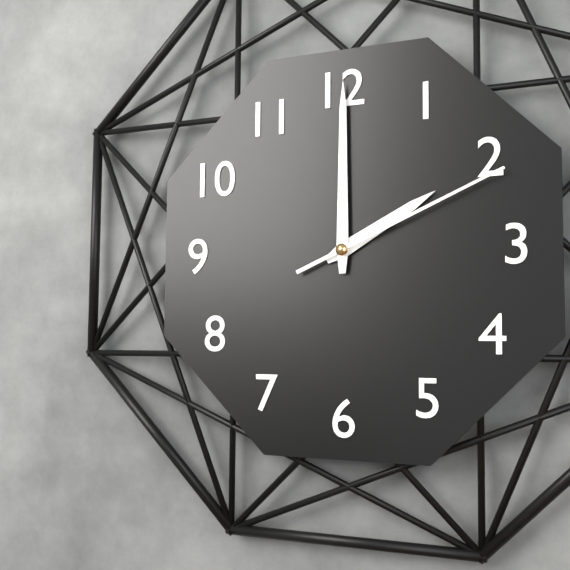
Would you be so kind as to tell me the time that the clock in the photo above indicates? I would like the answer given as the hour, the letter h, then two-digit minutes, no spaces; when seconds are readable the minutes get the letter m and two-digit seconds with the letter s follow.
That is 2h00m11s
